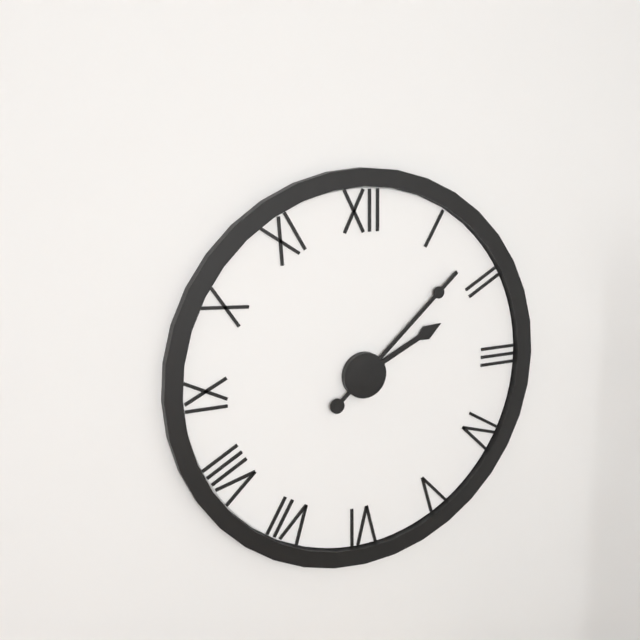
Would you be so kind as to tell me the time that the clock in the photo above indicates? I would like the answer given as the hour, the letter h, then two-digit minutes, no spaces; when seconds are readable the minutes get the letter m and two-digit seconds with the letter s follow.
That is 2h08
